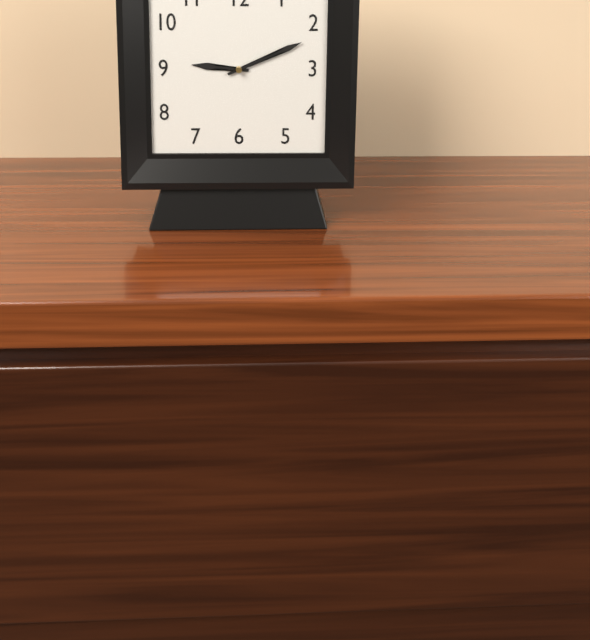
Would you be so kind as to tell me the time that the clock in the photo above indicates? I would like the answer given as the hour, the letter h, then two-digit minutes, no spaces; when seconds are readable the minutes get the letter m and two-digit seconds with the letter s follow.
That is 9h11
